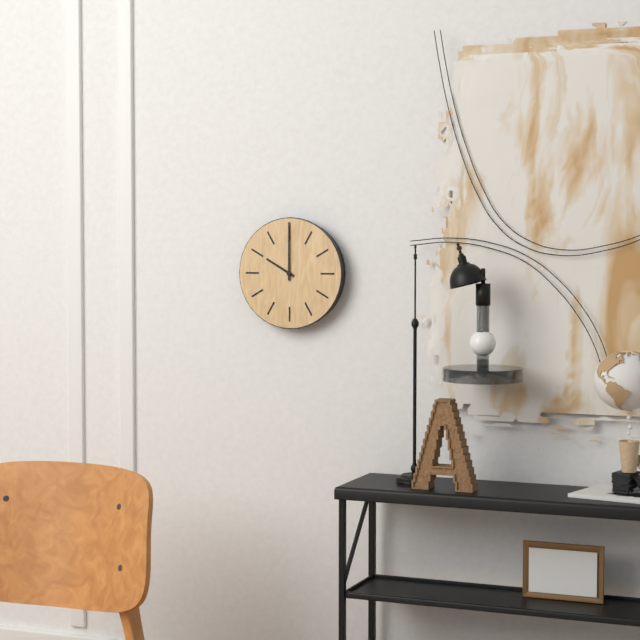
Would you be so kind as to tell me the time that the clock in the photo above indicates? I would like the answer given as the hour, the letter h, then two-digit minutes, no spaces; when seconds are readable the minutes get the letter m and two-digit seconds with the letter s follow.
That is 10h00
